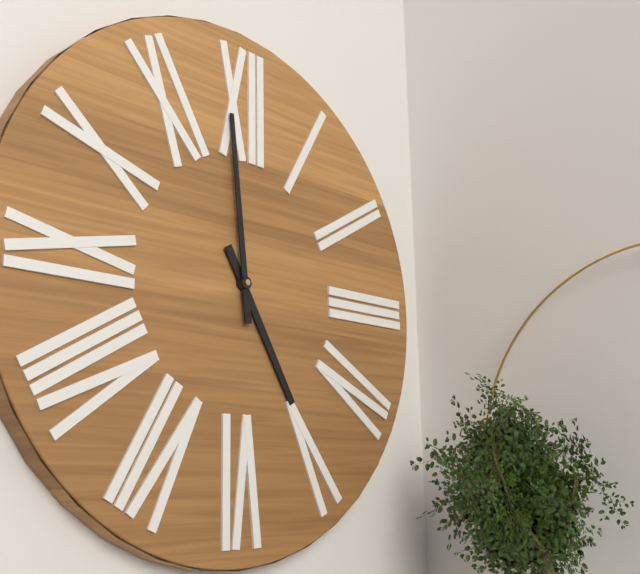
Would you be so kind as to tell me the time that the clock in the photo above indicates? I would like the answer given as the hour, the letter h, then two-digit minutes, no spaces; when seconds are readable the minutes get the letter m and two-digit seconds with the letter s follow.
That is 4h59
